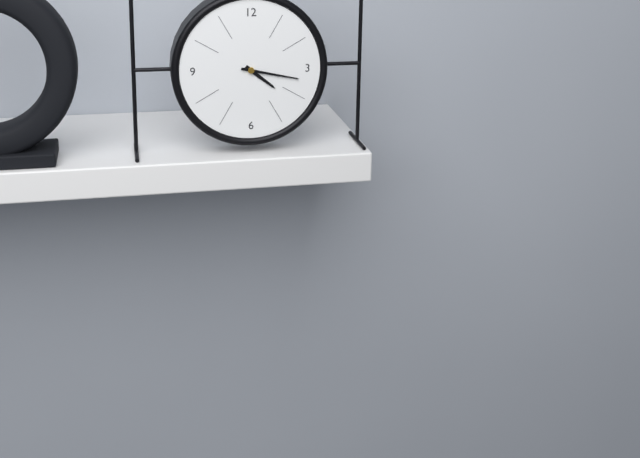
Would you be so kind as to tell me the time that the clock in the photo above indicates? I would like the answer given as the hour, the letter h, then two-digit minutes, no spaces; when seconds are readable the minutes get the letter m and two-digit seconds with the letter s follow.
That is 4h17
